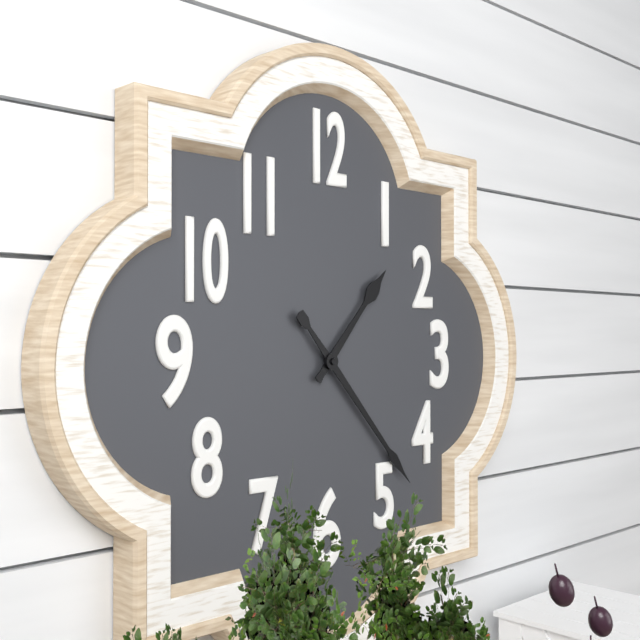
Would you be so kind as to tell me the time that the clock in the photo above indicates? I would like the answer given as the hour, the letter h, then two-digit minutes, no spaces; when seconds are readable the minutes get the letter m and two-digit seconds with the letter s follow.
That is 1h23
